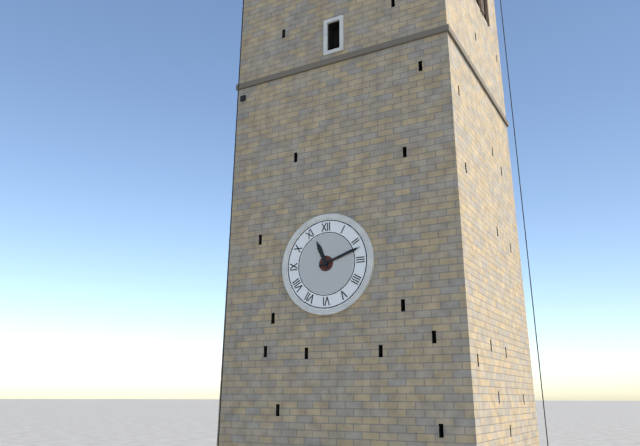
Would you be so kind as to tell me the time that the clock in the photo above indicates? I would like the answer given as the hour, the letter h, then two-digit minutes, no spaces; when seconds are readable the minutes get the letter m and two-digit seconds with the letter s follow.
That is 11h12
